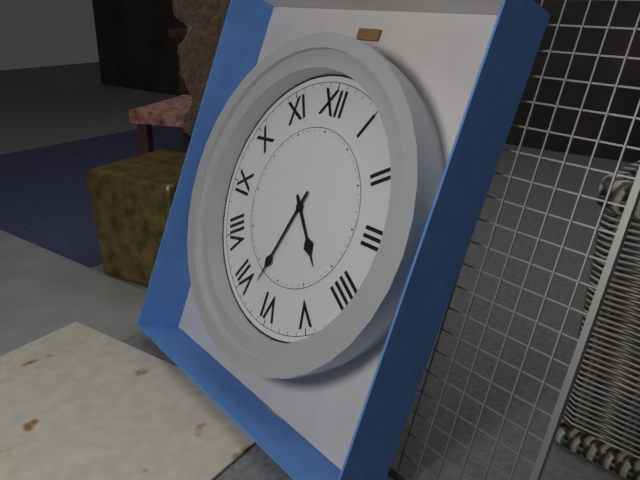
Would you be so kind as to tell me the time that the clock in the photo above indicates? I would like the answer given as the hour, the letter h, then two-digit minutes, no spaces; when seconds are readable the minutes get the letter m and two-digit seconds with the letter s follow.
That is 4h33
